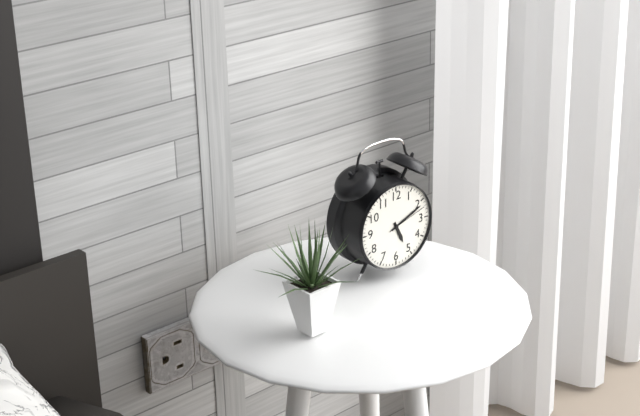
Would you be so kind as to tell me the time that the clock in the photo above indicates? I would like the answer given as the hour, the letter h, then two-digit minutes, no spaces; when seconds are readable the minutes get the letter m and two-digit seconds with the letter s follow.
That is 5h11
